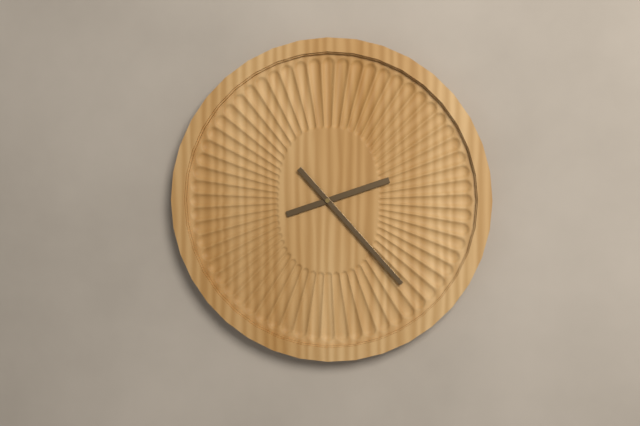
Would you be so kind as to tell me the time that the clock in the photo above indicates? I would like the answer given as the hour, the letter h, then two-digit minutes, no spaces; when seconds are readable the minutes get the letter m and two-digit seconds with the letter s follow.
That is 2h23
